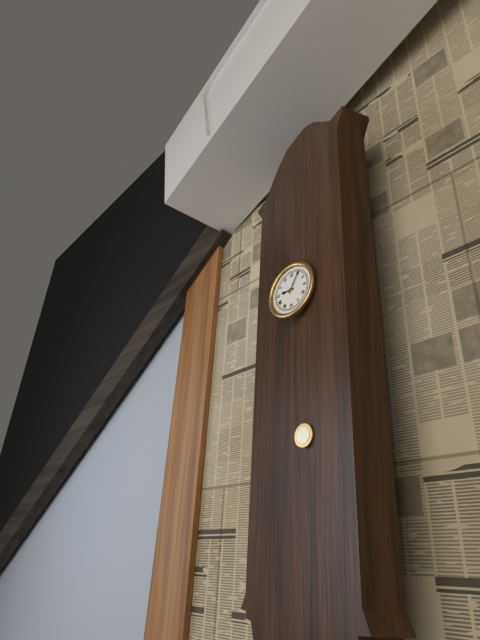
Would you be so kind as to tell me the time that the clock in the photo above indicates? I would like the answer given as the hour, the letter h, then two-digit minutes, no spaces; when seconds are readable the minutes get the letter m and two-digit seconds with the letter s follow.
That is 9h05
